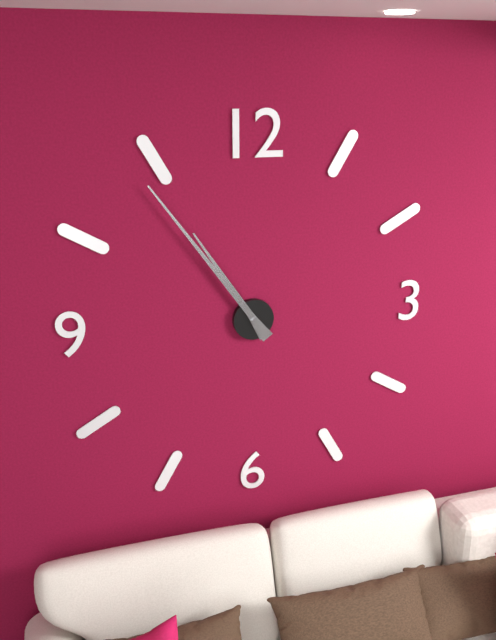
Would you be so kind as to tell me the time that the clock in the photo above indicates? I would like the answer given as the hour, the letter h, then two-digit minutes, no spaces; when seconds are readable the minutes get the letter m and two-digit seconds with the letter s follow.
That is 10h54
